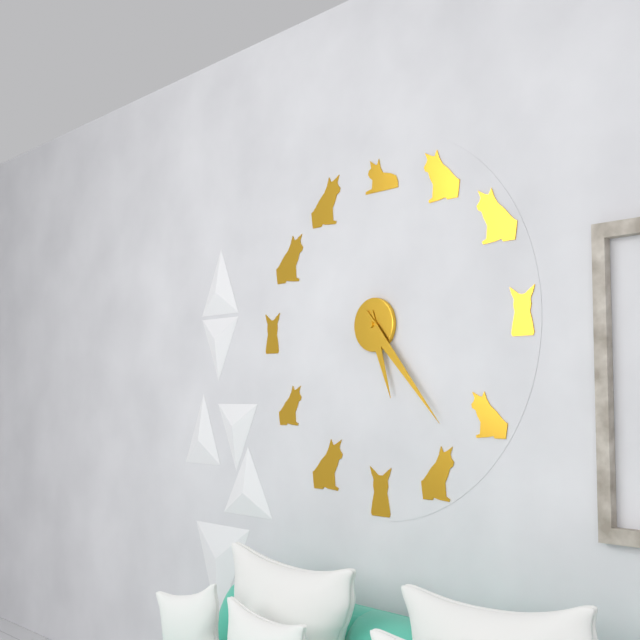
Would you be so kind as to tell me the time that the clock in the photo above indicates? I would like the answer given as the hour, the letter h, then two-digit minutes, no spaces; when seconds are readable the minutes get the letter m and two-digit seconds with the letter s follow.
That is 5h23
